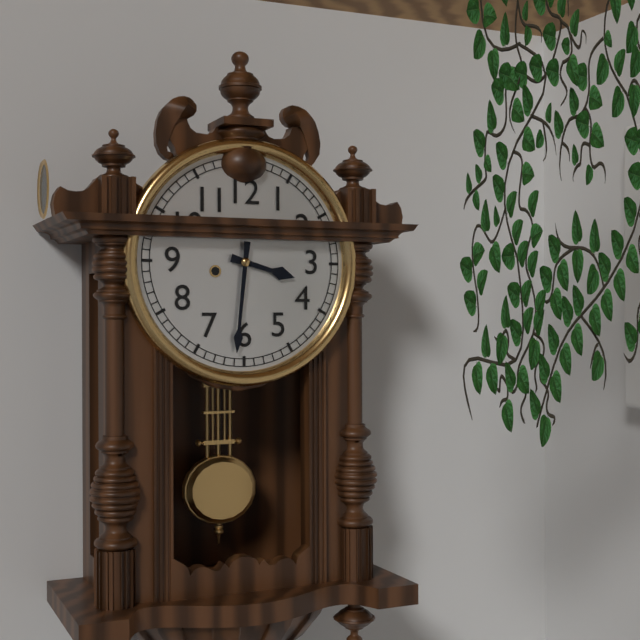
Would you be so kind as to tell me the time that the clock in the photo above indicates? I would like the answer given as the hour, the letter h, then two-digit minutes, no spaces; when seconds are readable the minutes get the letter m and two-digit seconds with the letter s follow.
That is 3h31
